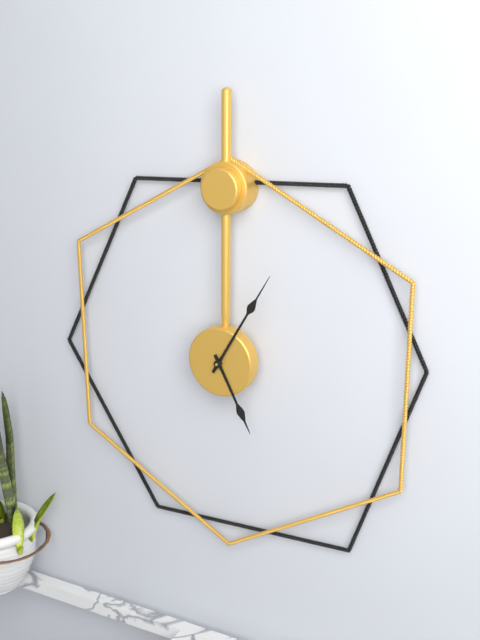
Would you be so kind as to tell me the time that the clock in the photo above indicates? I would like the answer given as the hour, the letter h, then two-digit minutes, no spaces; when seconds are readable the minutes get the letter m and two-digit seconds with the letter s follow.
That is 5h05
